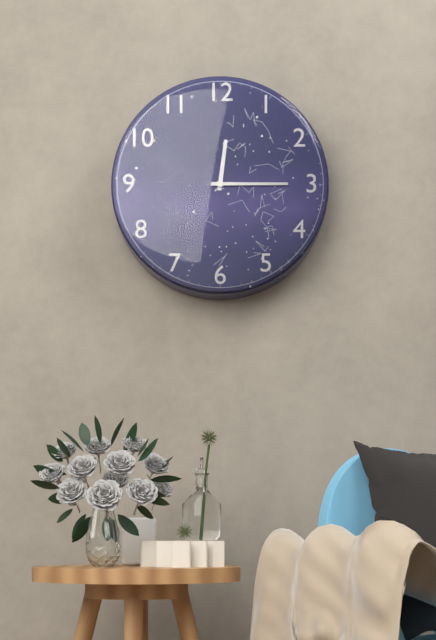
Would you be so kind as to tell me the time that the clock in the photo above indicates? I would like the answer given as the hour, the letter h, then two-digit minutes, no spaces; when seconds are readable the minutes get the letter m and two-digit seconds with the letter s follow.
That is 12h15
